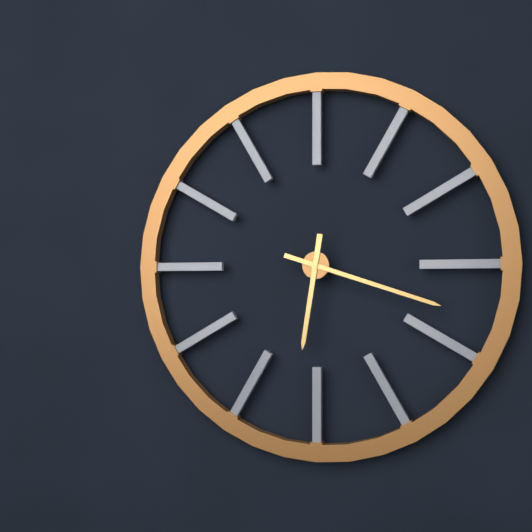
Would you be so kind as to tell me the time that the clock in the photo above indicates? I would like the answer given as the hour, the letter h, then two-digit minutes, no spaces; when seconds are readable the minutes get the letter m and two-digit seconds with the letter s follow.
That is 6h18
